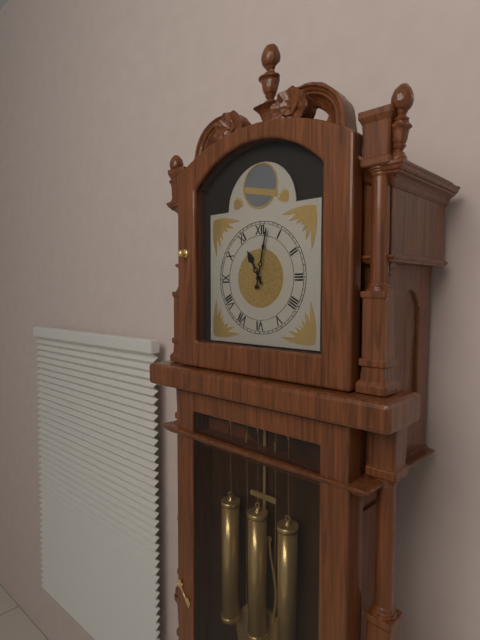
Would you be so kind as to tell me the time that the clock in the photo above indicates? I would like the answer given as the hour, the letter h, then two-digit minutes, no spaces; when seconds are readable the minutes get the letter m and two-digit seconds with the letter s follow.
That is 11h02
